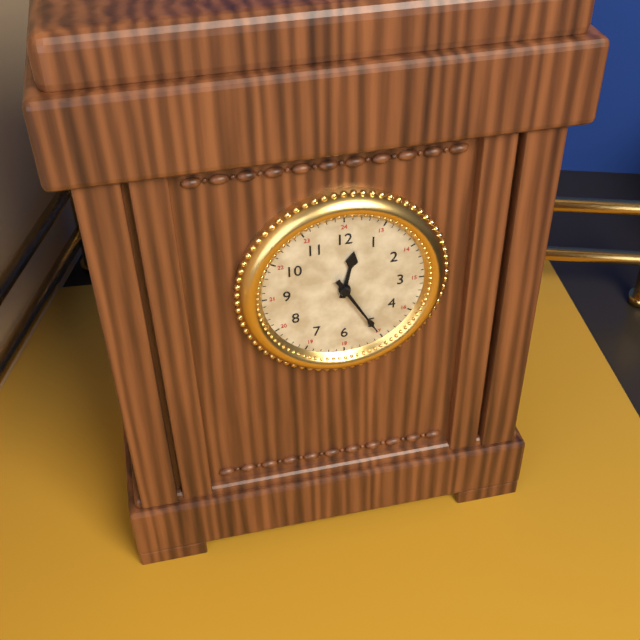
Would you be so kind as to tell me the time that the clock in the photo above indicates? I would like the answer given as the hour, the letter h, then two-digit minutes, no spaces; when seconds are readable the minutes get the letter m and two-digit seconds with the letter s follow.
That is 12h25
